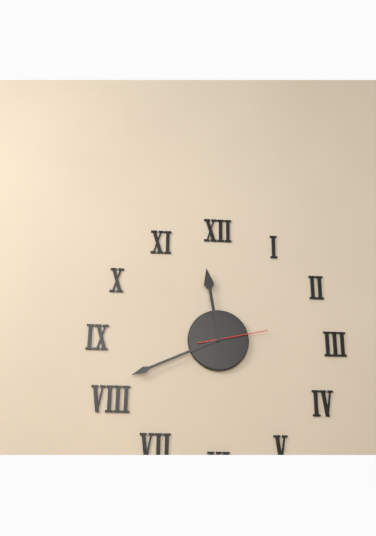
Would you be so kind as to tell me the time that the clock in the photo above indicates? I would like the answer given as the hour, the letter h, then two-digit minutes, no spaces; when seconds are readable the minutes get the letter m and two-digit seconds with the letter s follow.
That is 11h41m13s
